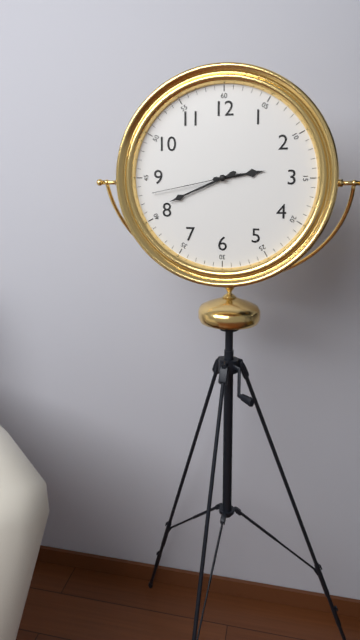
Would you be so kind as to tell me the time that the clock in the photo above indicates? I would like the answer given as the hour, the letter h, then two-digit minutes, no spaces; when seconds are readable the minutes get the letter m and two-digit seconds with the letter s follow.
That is 2h41m43s
